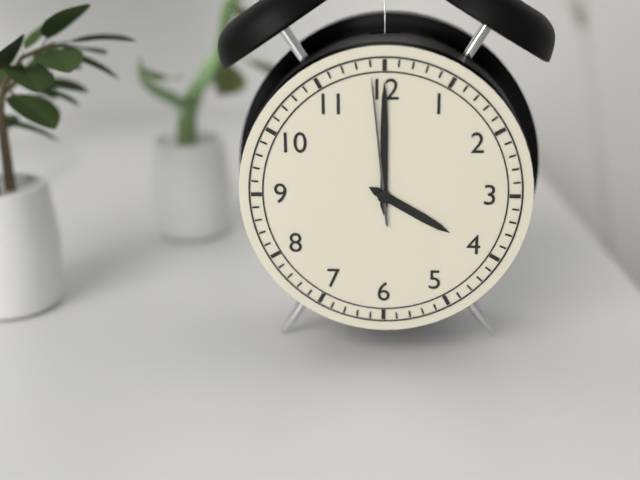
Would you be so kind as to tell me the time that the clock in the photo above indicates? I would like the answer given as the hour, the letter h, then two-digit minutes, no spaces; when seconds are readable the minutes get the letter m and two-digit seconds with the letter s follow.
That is 4h00m59s
